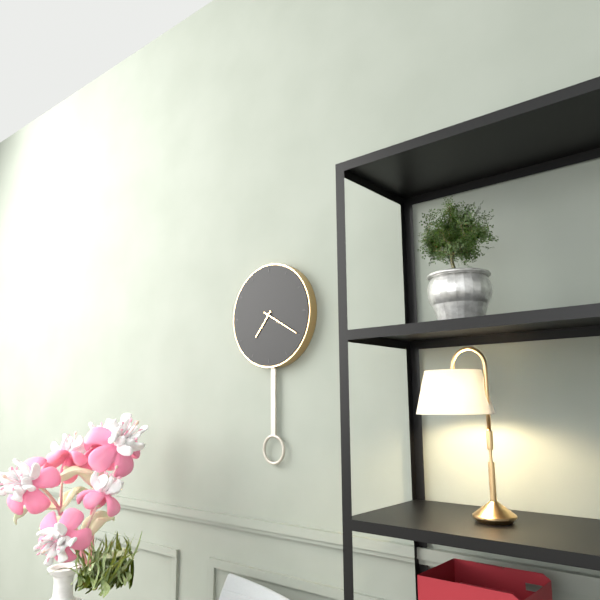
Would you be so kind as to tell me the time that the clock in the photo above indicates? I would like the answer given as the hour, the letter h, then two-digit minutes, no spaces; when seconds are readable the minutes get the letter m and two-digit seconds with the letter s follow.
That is 7h20
